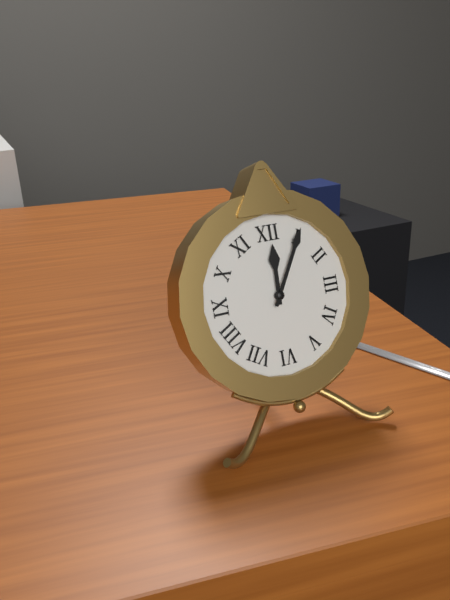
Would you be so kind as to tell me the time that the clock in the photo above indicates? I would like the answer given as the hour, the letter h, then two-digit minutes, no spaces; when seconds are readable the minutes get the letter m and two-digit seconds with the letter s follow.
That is 12h05
